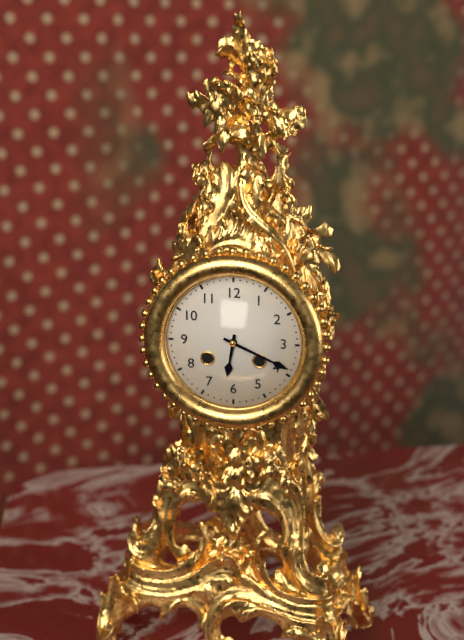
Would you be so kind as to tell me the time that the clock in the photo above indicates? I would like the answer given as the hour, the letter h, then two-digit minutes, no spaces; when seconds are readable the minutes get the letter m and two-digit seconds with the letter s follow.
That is 6h19
